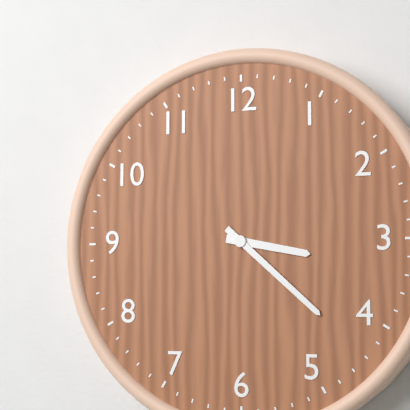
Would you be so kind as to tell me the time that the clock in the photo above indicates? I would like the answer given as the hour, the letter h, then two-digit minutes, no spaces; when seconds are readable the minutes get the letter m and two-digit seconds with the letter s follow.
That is 3h22
